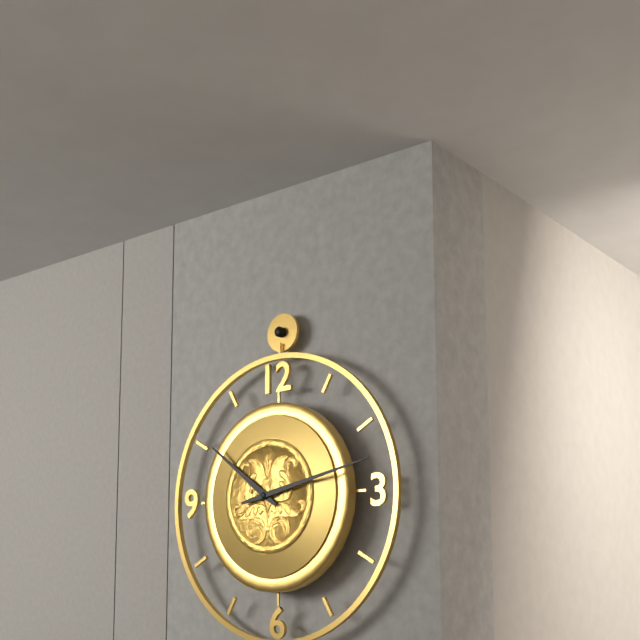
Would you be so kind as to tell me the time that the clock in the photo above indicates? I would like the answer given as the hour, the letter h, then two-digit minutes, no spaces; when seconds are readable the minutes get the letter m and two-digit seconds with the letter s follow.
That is 10h13
